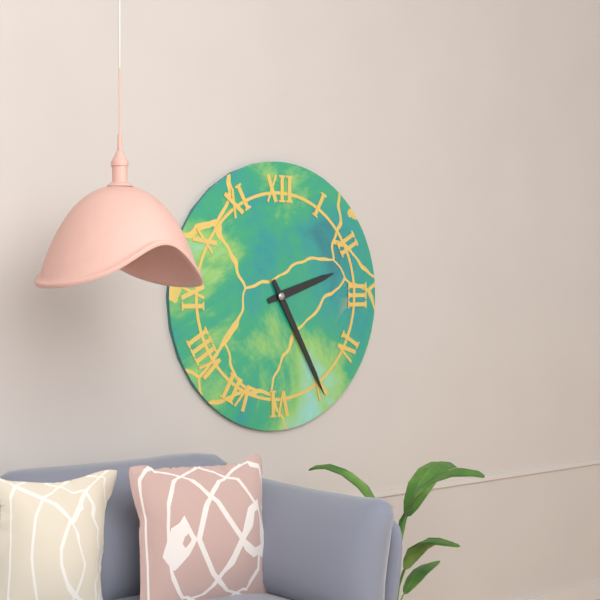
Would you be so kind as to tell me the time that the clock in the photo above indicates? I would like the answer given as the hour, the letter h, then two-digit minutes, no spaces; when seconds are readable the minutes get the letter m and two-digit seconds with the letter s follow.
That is 2h25
